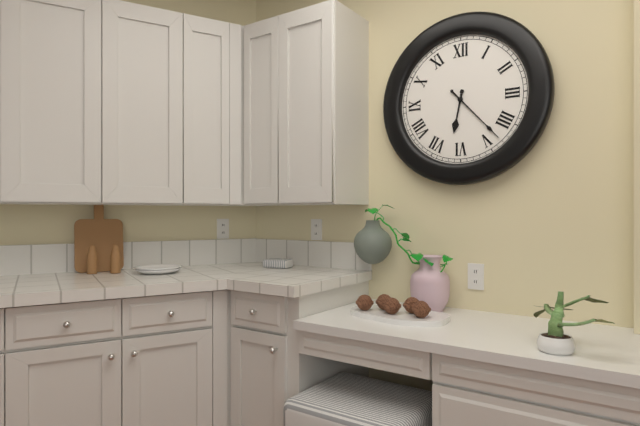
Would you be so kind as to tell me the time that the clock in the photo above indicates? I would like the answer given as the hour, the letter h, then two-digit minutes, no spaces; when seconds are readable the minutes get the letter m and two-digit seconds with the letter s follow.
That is 6h23
